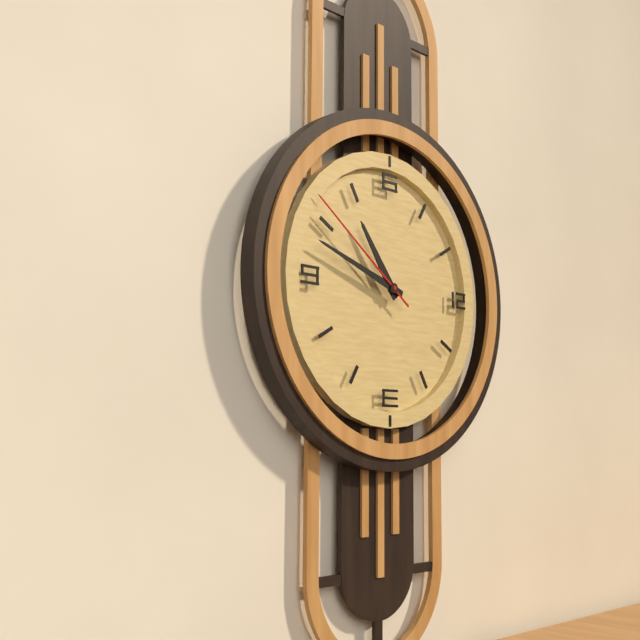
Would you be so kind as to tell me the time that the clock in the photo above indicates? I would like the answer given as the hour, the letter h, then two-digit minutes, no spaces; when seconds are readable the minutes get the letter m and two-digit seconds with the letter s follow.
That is 10h48m51s
